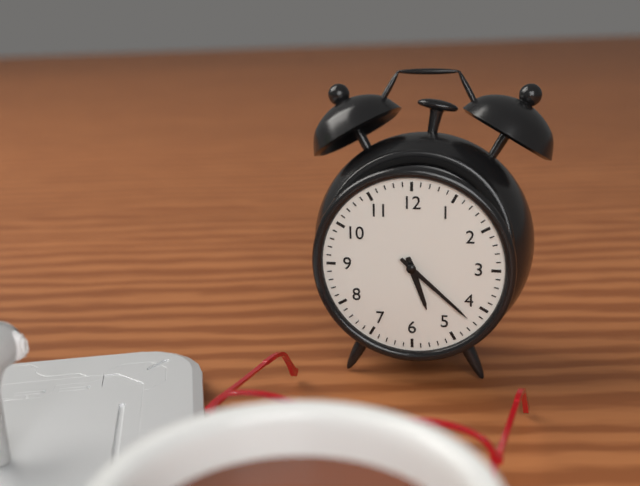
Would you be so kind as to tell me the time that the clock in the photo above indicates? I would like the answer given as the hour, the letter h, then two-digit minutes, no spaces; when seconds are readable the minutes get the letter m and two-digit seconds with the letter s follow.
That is 5h22
